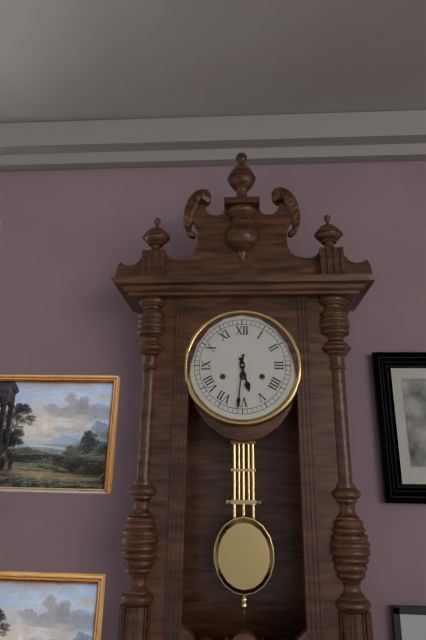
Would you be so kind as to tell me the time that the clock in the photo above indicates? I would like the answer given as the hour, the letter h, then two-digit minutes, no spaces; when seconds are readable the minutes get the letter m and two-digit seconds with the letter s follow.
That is 5h31
